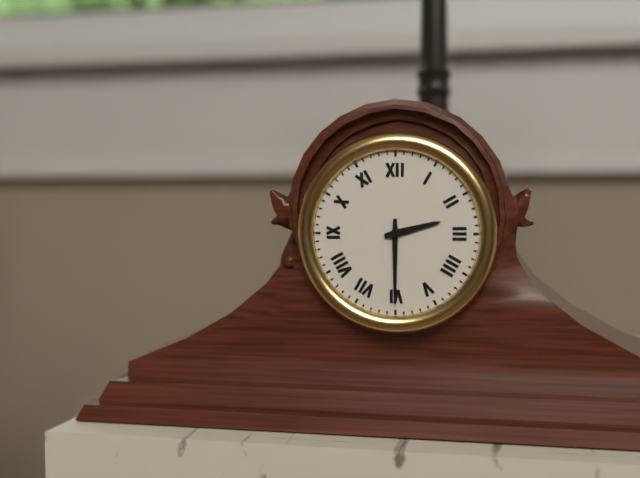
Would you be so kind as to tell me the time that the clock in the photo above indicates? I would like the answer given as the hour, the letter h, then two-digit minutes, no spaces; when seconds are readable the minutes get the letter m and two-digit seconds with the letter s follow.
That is 2h30
